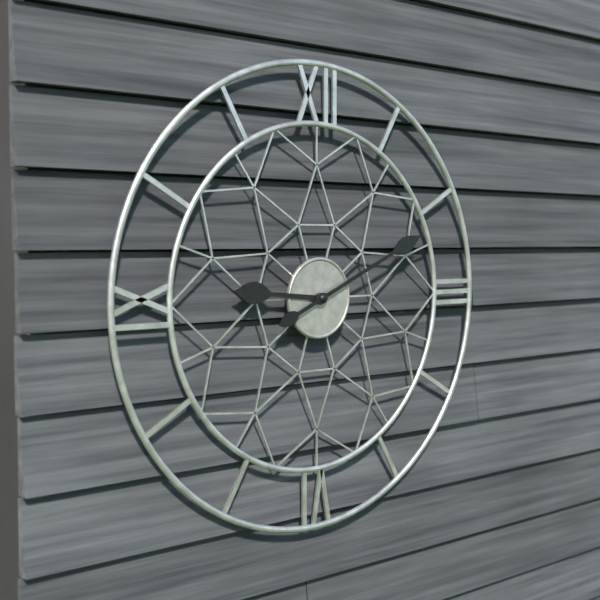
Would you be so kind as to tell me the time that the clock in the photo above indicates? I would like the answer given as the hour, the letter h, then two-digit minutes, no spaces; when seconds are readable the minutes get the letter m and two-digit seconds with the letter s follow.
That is 9h11
